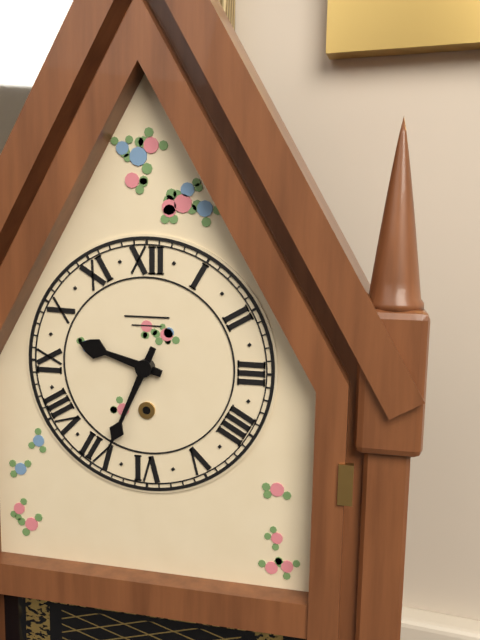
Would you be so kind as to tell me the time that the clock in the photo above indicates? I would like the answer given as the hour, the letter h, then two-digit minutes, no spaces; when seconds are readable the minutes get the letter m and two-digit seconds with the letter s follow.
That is 9h34
